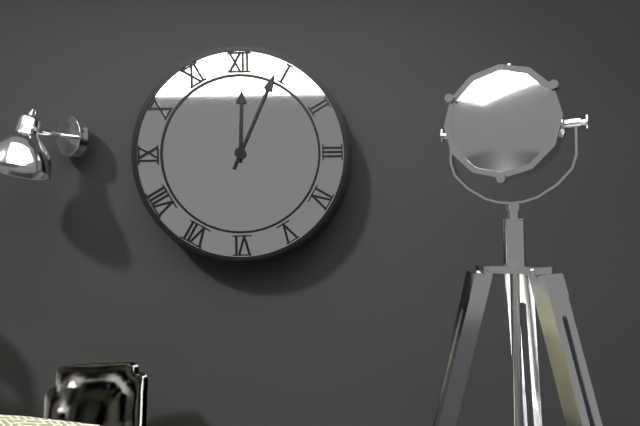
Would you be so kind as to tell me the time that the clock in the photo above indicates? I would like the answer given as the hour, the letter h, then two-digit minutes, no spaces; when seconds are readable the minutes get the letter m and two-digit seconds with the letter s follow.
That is 12h04
